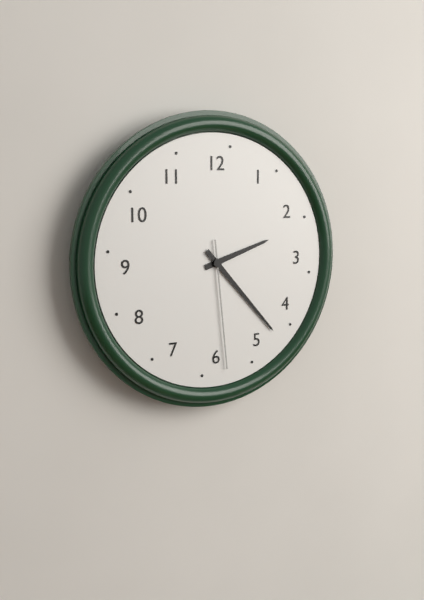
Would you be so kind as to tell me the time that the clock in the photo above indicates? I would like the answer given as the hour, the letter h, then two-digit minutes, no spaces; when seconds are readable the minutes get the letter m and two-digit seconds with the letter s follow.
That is 2h23m29s
